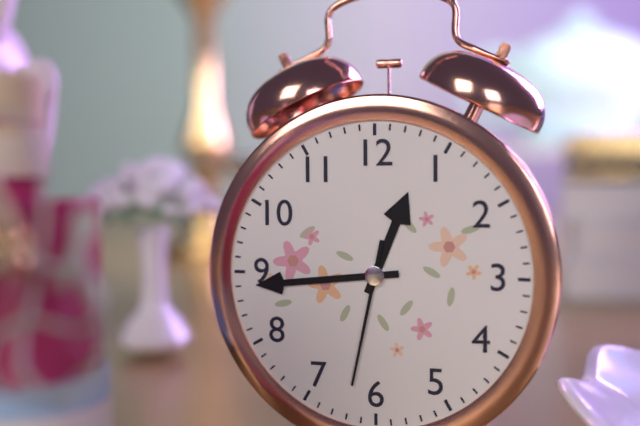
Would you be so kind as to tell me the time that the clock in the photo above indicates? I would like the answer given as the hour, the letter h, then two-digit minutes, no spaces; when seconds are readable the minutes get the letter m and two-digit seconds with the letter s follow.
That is 12h44m32s
